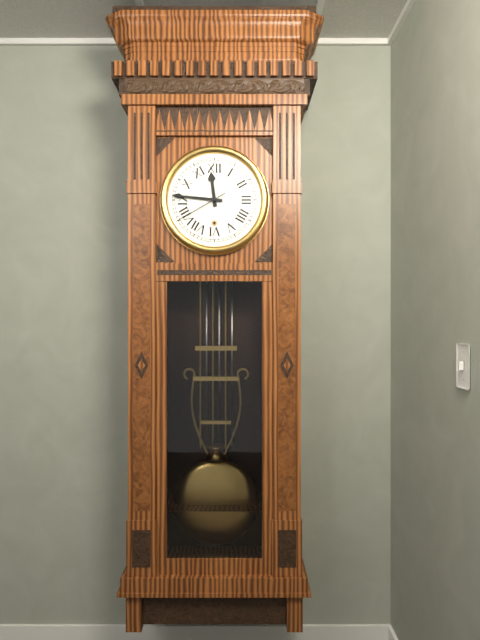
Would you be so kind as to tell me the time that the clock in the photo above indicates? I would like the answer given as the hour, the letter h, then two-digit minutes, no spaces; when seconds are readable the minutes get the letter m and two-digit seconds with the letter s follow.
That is 11h46m40s
